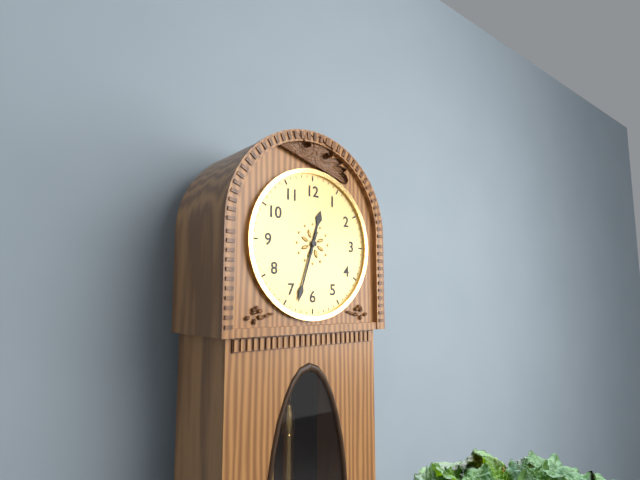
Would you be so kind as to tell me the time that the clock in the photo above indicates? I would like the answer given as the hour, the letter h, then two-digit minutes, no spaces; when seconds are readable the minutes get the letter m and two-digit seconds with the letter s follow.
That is 12h33
